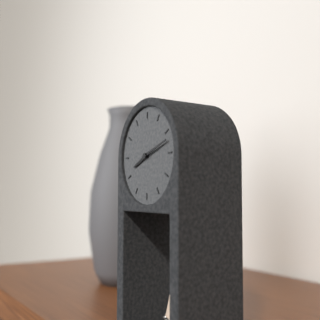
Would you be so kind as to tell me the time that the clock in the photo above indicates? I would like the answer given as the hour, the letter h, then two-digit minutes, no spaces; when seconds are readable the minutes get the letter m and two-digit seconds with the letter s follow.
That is 8h12
